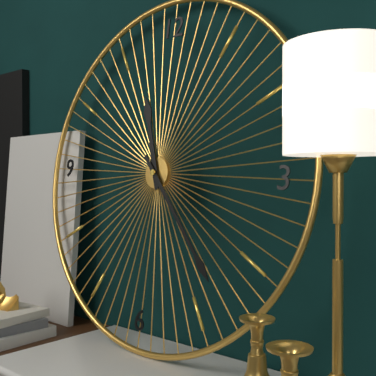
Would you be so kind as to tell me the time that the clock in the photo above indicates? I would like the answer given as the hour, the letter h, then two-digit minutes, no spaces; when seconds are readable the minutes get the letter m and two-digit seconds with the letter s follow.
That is 11h23
